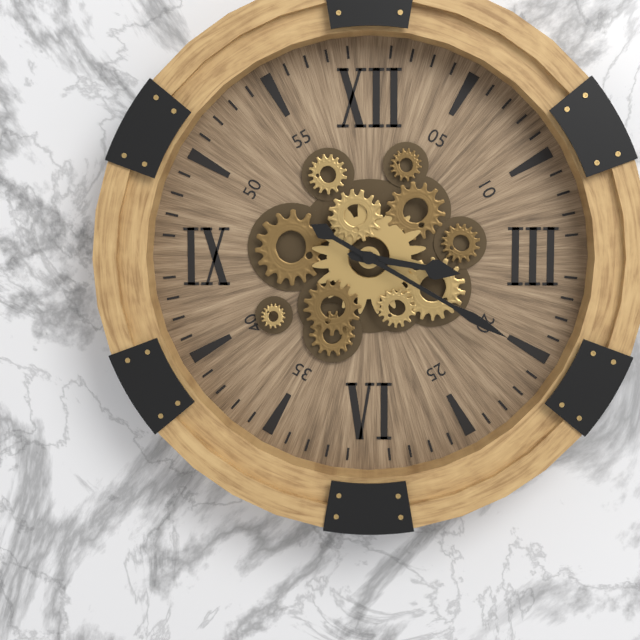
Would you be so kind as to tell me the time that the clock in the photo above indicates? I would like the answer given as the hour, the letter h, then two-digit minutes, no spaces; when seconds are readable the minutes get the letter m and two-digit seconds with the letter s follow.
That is 3h20
